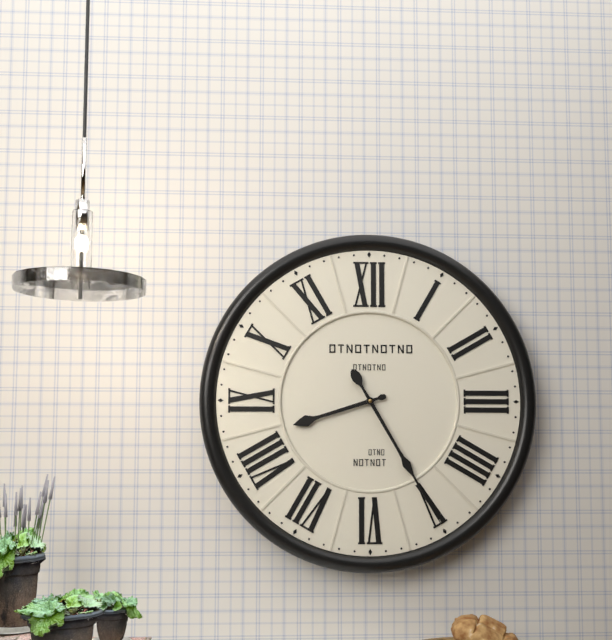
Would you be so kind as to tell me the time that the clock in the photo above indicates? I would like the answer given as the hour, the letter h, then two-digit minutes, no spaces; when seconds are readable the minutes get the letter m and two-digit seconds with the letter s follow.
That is 8h25
